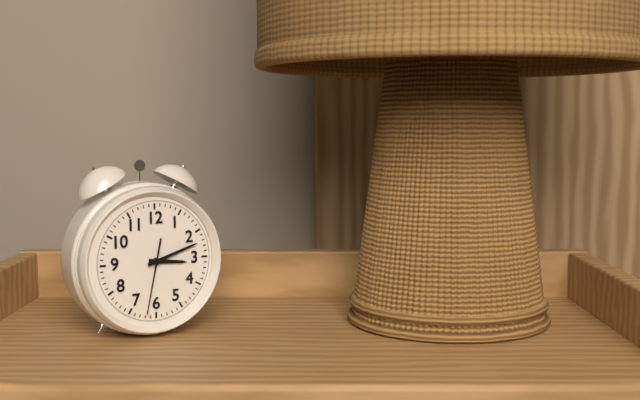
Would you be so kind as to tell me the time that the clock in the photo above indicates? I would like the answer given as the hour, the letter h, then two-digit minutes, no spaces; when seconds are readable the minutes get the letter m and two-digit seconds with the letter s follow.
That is 3h12m32s
